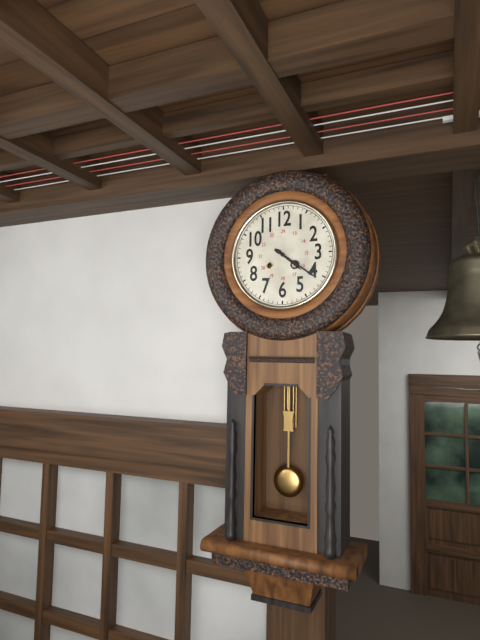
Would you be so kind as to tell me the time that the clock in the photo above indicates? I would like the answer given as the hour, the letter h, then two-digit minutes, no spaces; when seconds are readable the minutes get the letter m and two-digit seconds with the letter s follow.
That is 4h21
